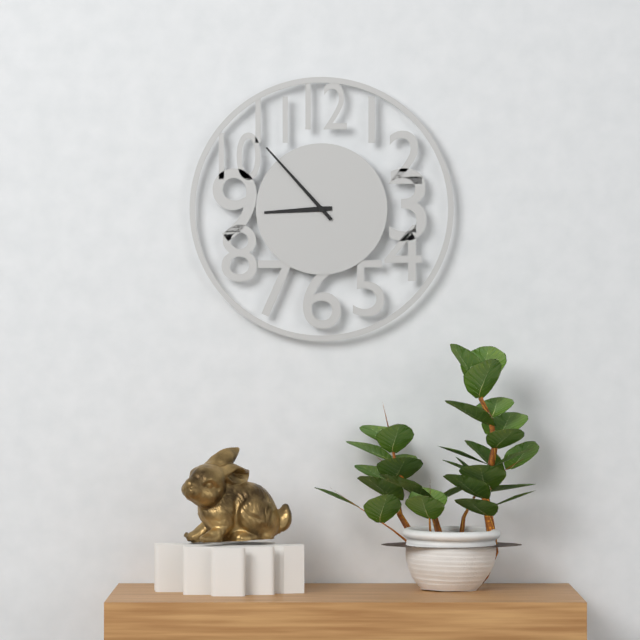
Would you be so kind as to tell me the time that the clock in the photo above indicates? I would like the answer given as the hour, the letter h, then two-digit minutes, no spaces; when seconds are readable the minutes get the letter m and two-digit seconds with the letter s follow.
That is 8h53
